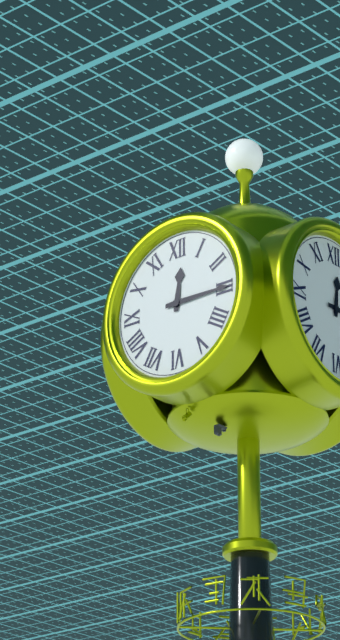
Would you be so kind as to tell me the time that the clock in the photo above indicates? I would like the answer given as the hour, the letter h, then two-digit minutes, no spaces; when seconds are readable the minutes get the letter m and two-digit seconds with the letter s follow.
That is 12h15
